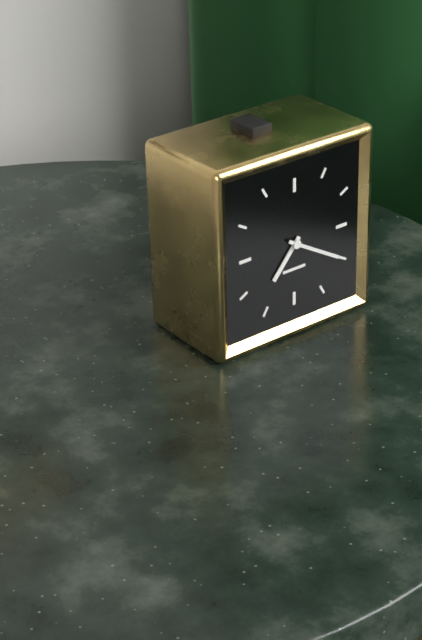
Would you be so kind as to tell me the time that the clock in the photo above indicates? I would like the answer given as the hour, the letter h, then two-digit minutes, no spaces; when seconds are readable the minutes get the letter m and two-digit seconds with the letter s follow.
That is 7h20
